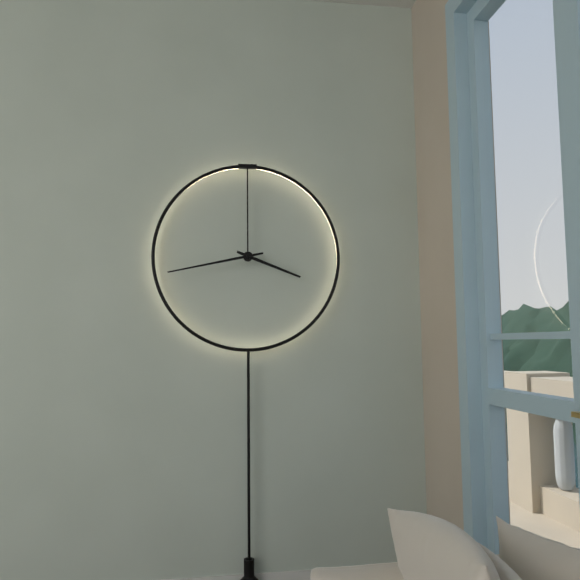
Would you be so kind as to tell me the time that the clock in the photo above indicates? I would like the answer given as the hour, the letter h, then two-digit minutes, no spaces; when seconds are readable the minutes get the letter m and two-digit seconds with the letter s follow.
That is 3h43
